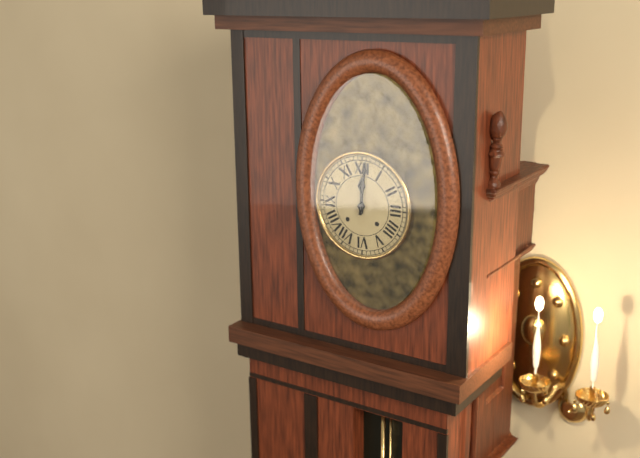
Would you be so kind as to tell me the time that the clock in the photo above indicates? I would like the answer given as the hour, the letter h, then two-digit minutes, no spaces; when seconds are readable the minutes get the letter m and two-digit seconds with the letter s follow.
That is 12h01
